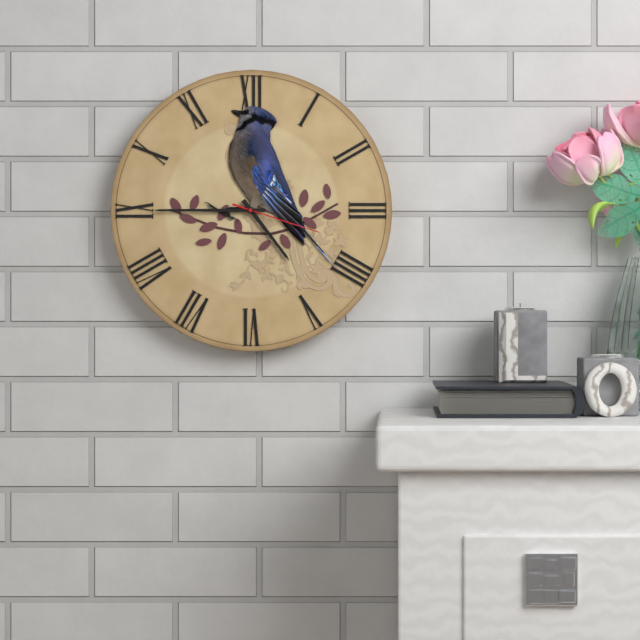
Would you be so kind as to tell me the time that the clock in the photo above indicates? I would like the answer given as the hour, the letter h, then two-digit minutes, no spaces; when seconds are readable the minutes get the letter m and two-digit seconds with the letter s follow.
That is 4h45m18s
